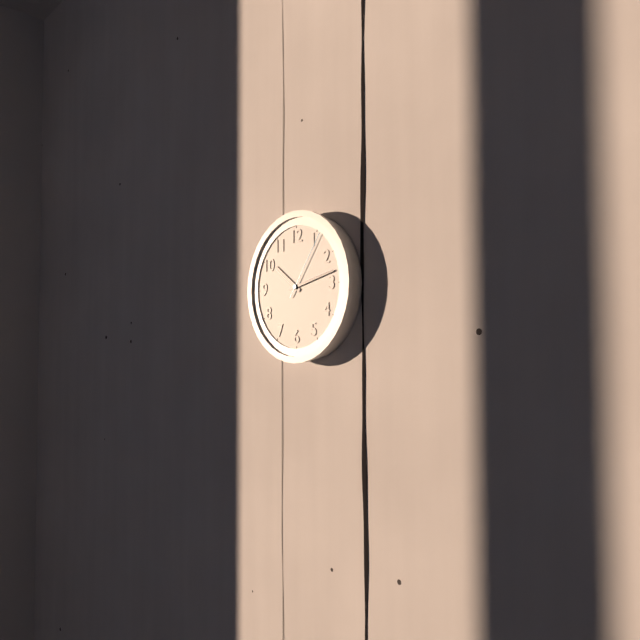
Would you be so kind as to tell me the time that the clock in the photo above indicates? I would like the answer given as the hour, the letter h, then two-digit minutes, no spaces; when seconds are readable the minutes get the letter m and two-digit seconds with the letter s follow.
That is 10h13m06s
